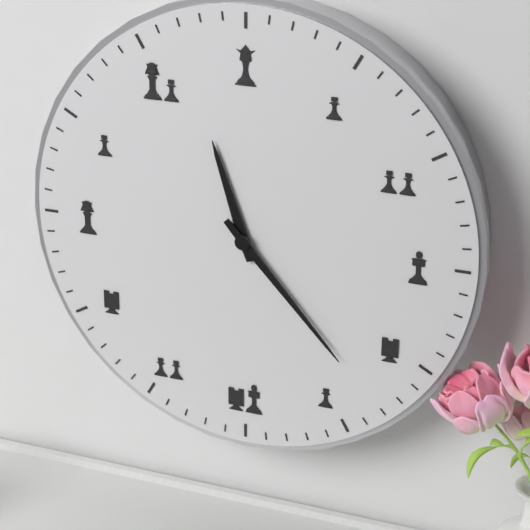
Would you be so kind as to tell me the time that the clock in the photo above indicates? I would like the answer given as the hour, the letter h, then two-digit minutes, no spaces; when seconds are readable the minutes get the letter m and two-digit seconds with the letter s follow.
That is 11h23
